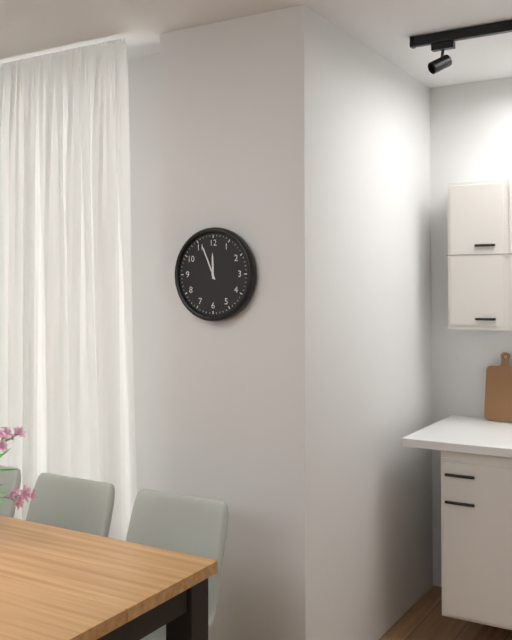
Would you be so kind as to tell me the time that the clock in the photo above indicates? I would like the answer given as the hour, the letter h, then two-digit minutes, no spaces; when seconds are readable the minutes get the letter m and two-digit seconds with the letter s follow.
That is 11h56
